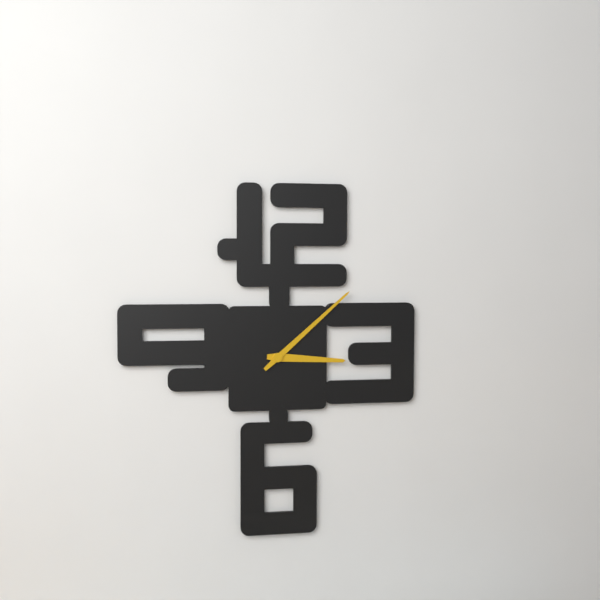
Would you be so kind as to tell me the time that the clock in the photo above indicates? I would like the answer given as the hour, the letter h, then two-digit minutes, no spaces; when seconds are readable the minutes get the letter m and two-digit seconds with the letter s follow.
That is 3h08
